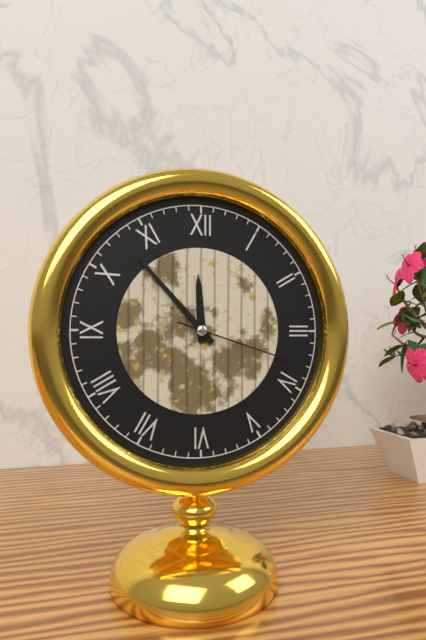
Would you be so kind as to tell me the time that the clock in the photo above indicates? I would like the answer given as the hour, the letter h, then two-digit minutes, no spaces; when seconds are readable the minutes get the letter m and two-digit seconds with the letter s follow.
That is 11h53m18s
